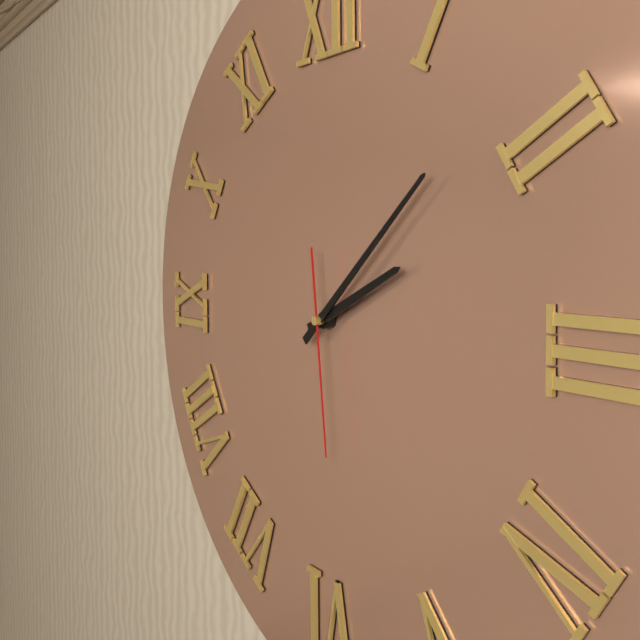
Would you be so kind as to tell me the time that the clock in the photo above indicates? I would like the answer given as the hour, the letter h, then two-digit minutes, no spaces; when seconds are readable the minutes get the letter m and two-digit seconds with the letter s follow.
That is 2h08m29s
